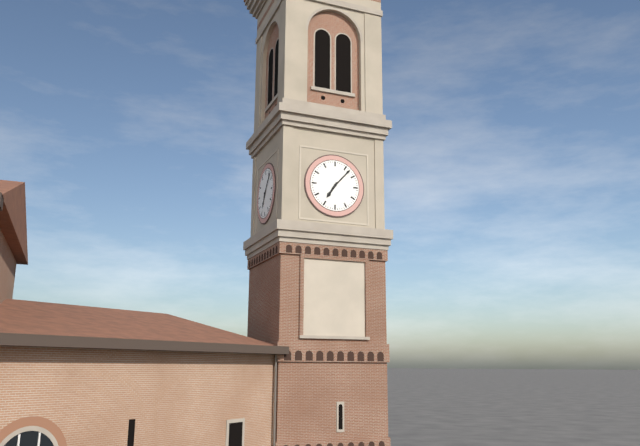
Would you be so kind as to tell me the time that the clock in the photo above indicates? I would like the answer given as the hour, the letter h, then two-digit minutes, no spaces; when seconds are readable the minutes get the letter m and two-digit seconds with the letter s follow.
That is 7h07
